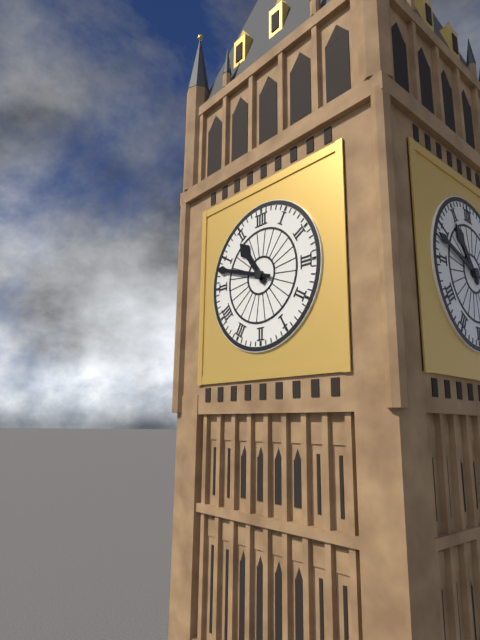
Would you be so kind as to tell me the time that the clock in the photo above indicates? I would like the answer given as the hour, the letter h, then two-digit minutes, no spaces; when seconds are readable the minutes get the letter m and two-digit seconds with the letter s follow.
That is 10h48
